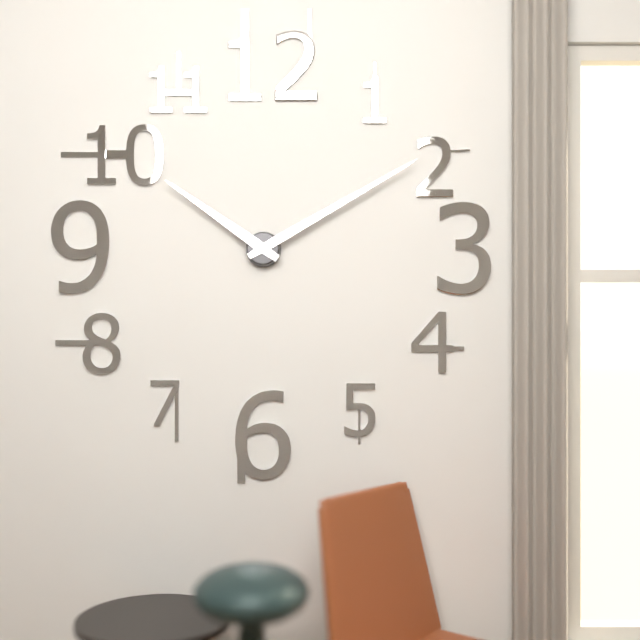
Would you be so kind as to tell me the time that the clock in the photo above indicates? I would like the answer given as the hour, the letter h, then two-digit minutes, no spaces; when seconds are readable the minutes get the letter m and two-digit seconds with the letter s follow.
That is 10h10
